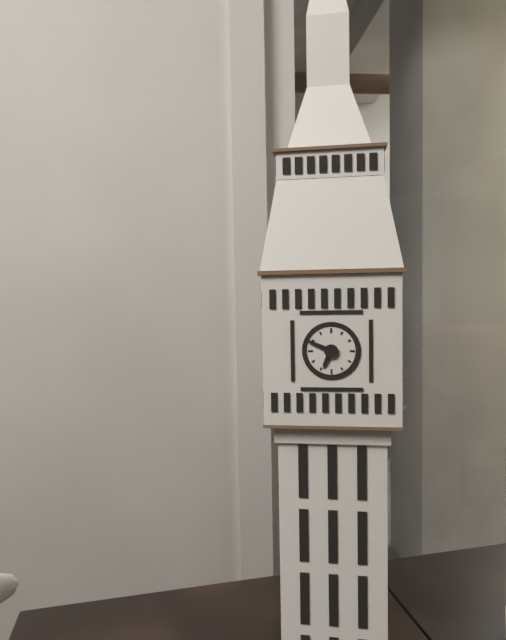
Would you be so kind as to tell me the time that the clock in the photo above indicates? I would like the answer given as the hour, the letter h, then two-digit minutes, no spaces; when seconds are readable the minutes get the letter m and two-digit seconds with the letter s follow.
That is 6h49
